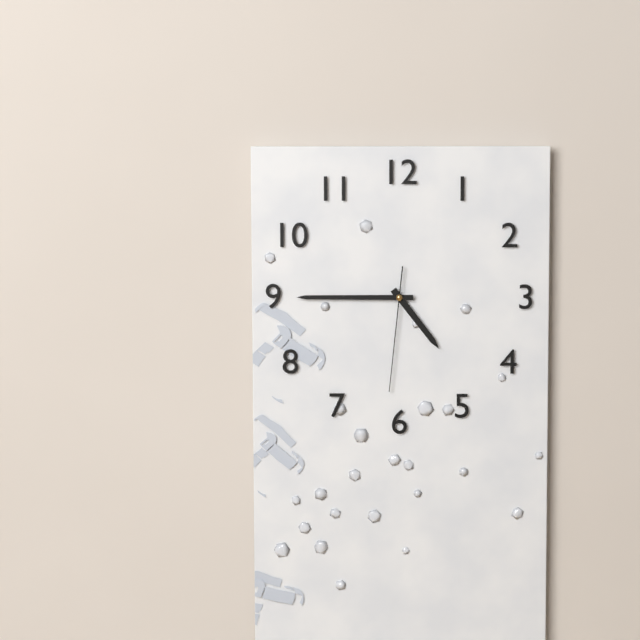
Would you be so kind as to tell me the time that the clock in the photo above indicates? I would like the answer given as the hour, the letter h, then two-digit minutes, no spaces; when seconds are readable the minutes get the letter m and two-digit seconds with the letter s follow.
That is 4h45m31s
